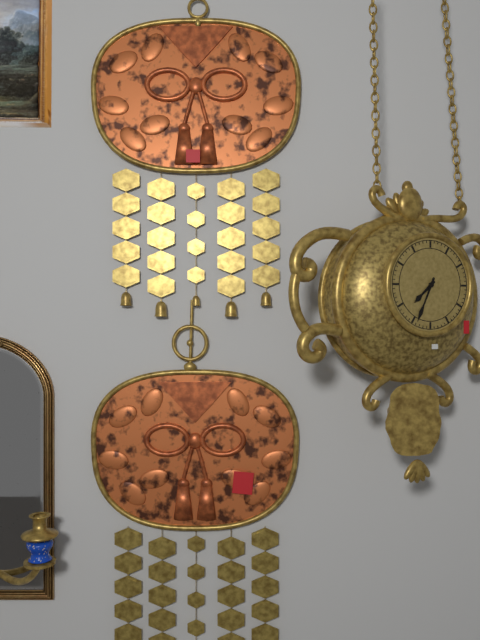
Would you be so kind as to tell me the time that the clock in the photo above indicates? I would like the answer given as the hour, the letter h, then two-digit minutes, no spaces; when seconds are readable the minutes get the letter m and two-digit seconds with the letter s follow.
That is 7h34
